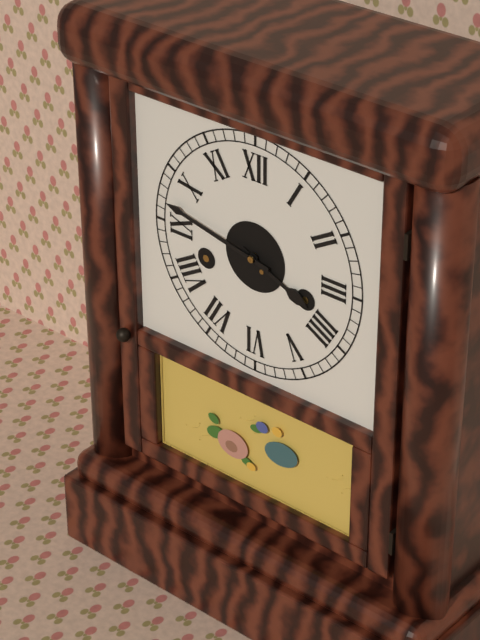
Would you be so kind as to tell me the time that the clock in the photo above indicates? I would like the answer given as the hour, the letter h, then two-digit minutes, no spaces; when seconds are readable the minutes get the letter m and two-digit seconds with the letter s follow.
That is 3h47
